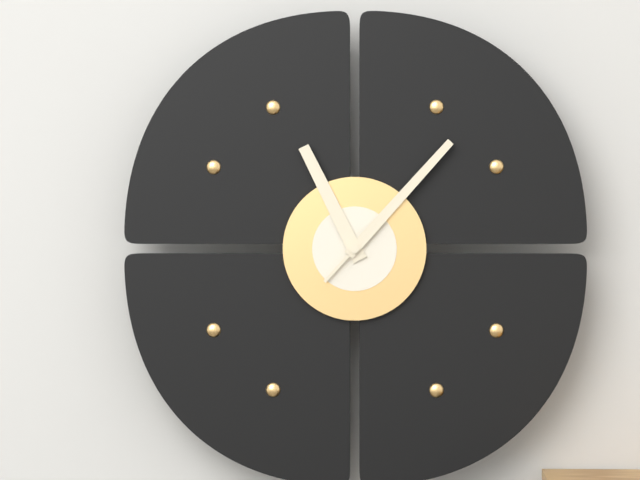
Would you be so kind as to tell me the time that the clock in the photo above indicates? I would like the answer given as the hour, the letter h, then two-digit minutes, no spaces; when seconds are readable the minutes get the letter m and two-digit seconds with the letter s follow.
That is 11h07
